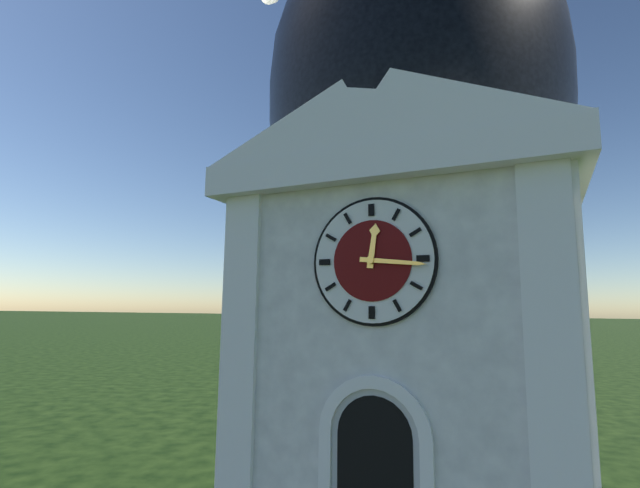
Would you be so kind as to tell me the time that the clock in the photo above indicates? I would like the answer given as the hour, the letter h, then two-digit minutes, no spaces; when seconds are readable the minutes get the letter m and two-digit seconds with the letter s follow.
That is 12h16
